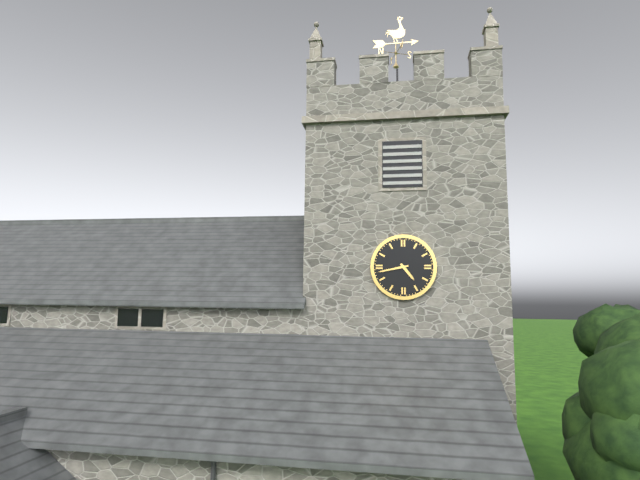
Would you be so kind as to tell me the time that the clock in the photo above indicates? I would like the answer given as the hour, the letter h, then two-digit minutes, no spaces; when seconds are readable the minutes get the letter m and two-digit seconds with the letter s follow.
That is 4h43
